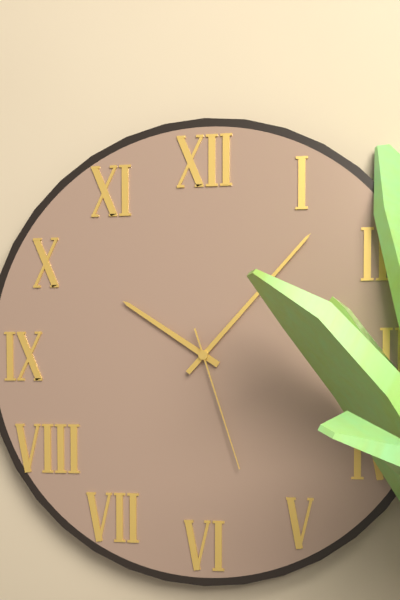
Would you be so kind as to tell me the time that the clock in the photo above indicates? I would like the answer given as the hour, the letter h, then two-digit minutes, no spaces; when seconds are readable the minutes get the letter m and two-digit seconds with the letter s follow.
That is 10h07m27s
